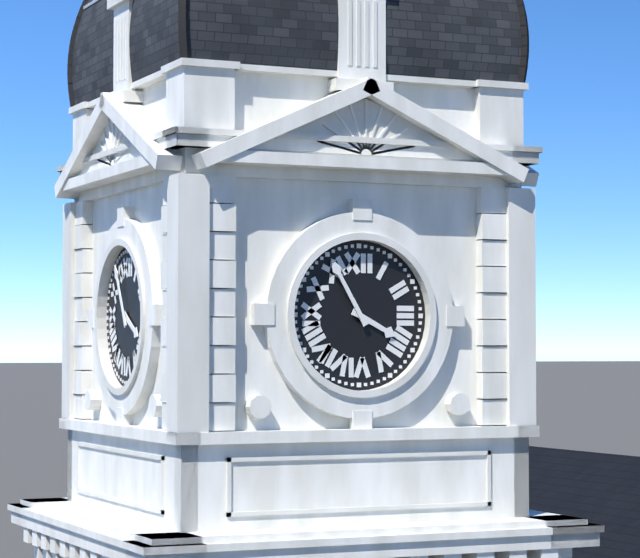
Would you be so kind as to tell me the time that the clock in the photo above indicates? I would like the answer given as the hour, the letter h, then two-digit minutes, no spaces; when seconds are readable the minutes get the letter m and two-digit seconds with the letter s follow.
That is 3h55
